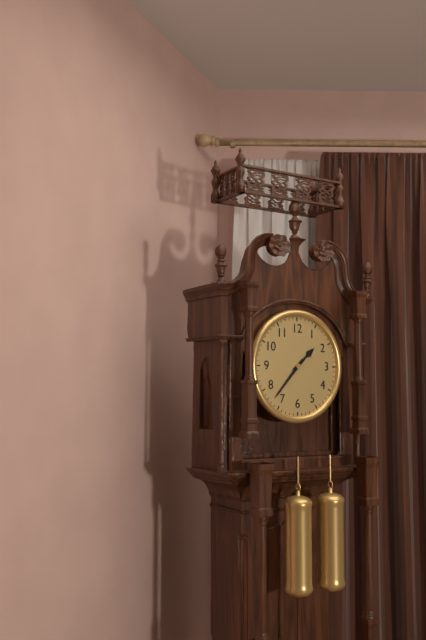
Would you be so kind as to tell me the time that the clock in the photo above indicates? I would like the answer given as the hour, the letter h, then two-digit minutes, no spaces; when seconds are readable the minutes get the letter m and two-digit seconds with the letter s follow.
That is 1h37
